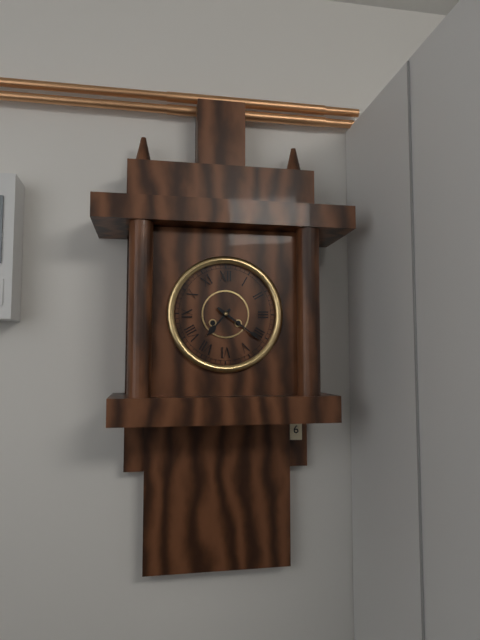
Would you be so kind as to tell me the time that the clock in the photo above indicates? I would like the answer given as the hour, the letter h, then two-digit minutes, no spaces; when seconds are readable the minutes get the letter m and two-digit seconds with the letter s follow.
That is 7h21
